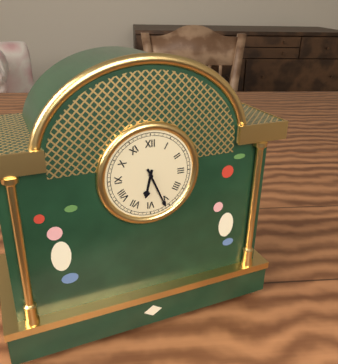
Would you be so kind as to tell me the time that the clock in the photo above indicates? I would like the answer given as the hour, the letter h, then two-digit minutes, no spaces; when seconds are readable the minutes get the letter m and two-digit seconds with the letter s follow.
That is 6h26
